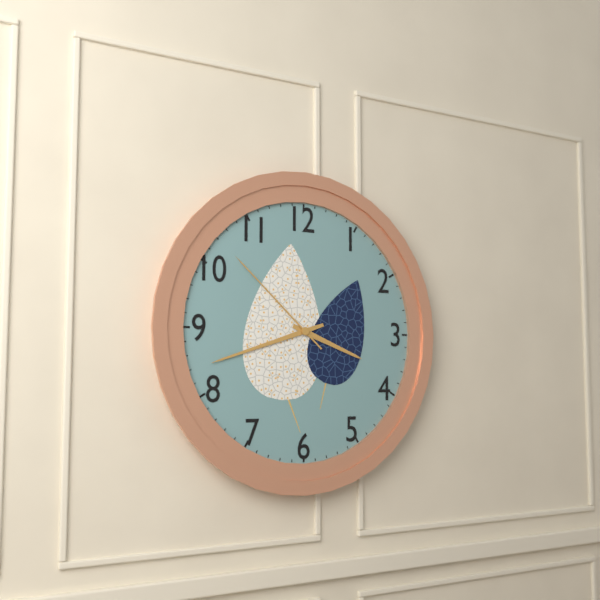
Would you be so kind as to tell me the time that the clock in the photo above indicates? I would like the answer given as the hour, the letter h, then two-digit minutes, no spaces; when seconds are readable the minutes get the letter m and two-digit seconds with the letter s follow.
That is 3h42m52s
